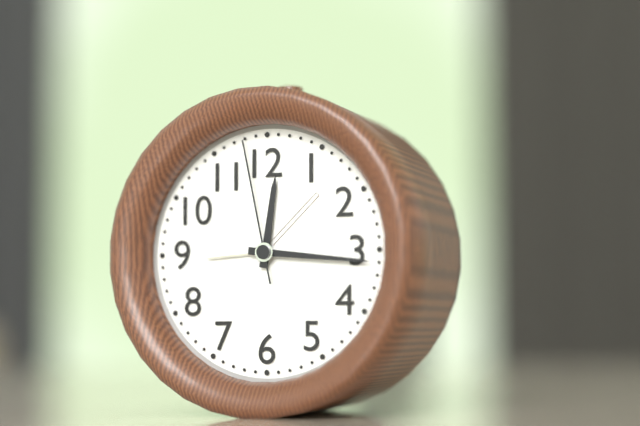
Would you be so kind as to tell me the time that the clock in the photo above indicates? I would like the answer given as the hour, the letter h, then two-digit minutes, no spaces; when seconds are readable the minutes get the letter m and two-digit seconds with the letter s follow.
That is 12h16m58s
